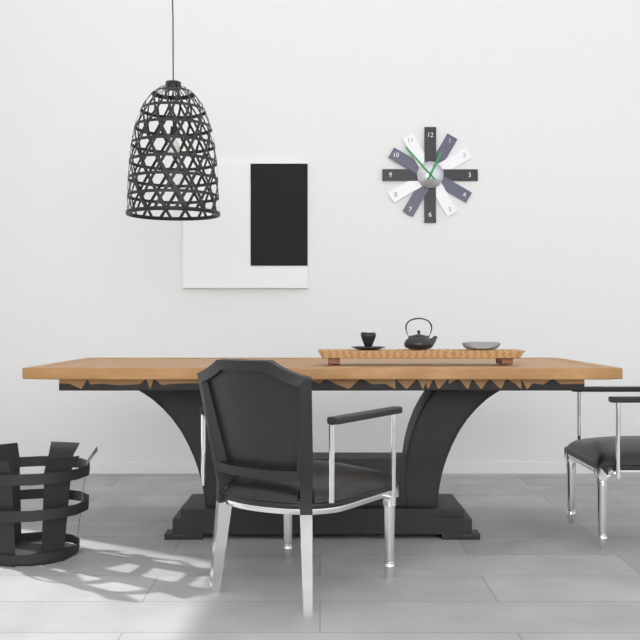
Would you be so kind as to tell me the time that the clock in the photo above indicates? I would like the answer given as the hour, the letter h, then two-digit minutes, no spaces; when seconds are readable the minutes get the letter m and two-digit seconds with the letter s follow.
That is 12h53
